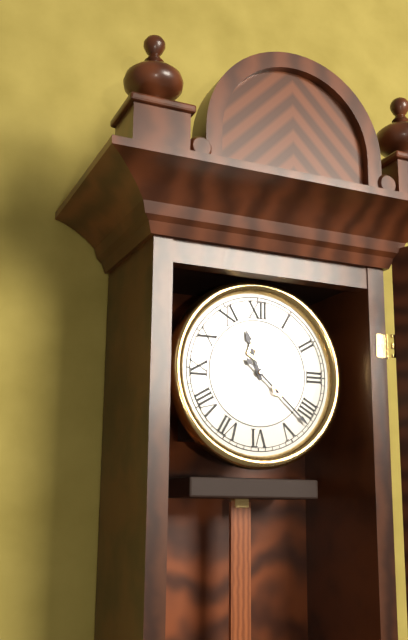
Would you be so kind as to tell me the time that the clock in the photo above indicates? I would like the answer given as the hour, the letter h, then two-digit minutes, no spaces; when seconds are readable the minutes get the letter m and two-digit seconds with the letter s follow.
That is 11h22
